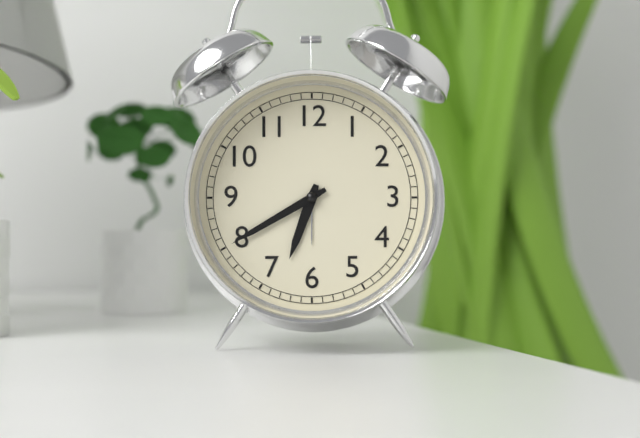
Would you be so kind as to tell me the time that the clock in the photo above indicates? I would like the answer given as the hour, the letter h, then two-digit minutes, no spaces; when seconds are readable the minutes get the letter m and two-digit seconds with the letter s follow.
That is 6h40
